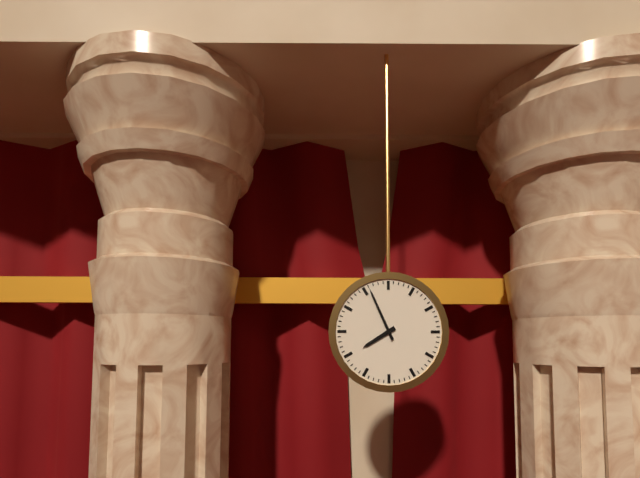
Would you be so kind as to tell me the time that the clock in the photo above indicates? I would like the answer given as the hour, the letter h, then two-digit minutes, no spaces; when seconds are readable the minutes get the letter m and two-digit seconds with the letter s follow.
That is 7h56
